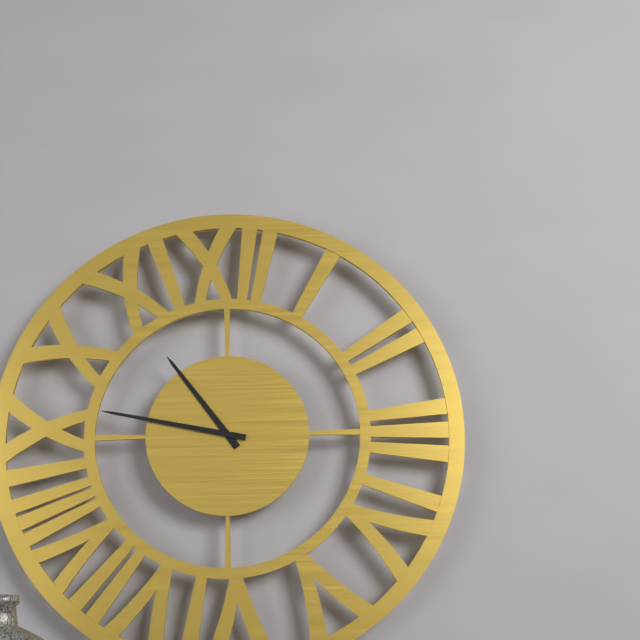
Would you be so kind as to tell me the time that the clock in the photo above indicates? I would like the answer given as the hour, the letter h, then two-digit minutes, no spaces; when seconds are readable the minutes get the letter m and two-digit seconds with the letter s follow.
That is 10h47
